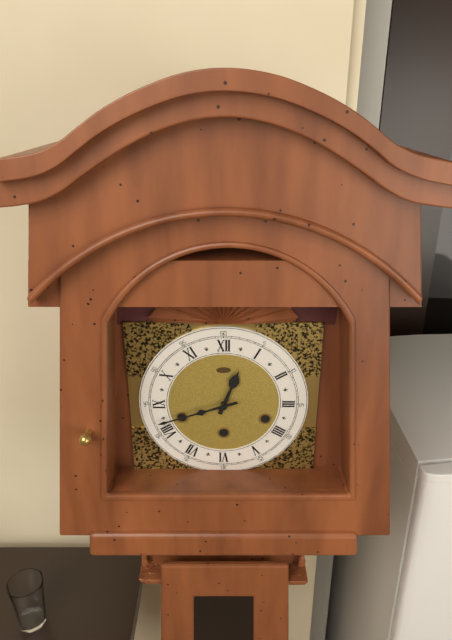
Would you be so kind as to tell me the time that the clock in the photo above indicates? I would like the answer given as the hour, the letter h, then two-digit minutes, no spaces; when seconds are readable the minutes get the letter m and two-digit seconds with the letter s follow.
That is 12h42
